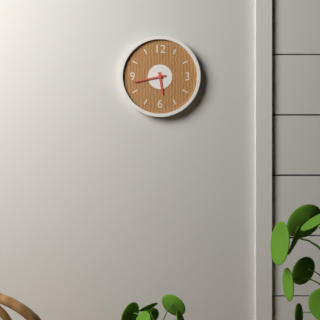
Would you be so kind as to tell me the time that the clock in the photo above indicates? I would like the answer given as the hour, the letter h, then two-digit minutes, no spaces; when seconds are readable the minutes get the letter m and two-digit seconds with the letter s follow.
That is 5h43
